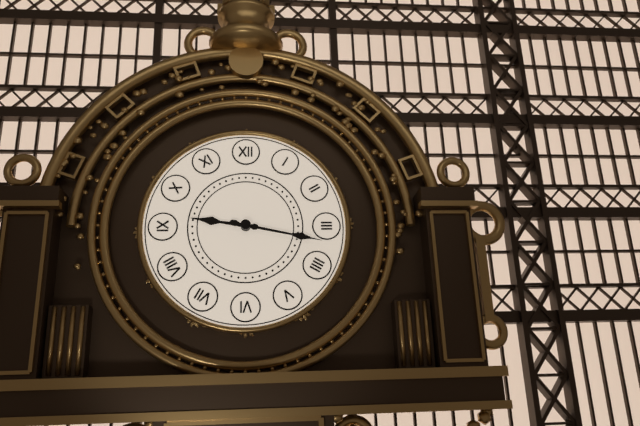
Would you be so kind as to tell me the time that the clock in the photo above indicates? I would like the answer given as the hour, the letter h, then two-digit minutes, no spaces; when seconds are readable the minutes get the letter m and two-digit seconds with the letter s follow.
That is 9h17
